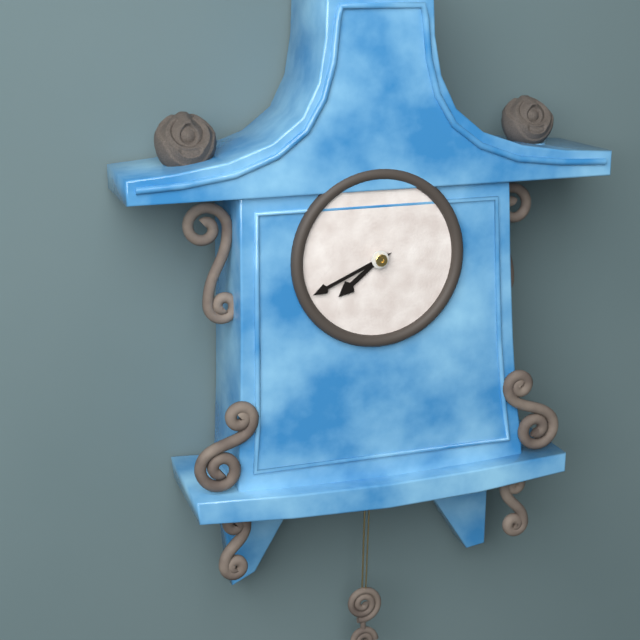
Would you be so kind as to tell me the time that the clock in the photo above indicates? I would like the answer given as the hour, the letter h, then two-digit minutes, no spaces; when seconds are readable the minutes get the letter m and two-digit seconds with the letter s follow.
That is 7h41
